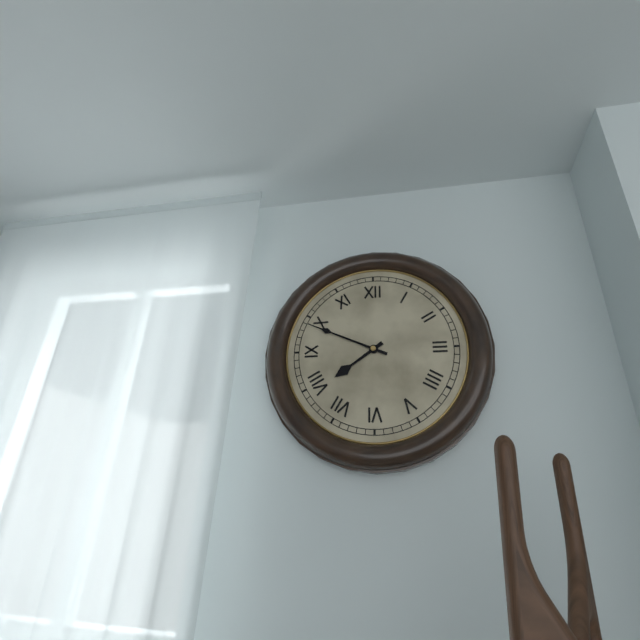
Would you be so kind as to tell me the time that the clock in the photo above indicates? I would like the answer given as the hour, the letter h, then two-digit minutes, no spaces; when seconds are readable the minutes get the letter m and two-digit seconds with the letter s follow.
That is 7h49
